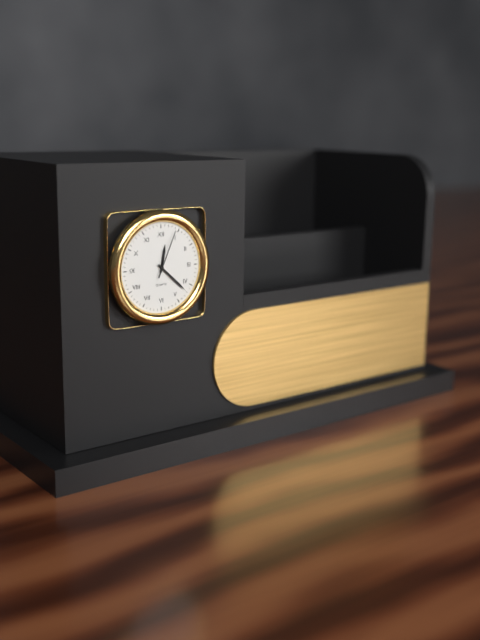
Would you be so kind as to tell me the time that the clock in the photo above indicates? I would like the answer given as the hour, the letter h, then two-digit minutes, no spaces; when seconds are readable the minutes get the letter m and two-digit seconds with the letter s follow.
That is 12h22
